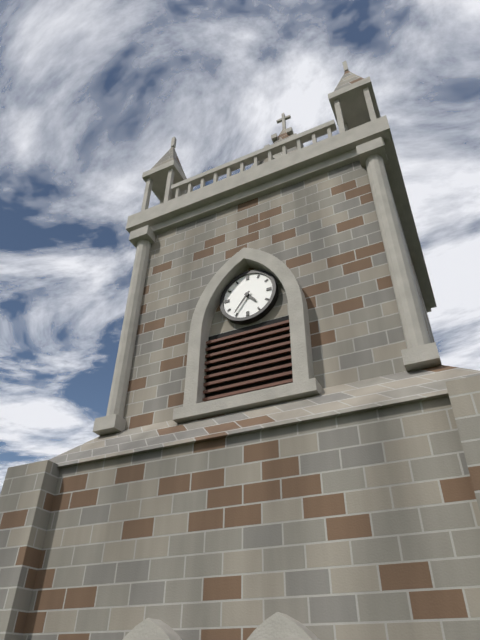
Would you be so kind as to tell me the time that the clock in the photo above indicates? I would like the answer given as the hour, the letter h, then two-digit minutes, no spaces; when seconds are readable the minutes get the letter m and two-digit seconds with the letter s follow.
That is 4h36
